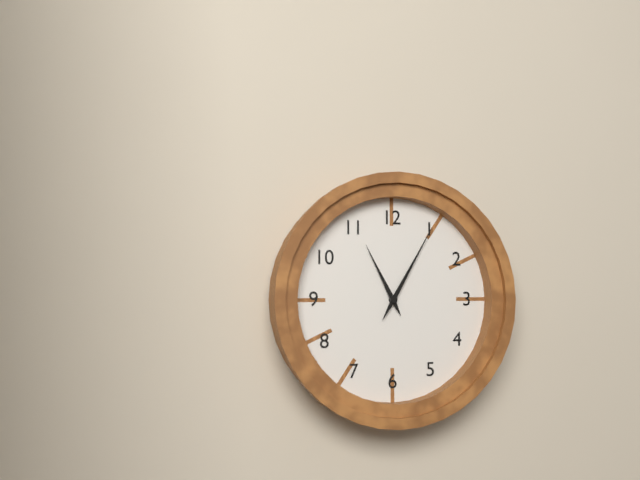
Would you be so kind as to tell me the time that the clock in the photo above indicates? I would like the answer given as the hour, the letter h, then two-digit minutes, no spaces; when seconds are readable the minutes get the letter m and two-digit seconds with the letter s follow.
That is 11h05
